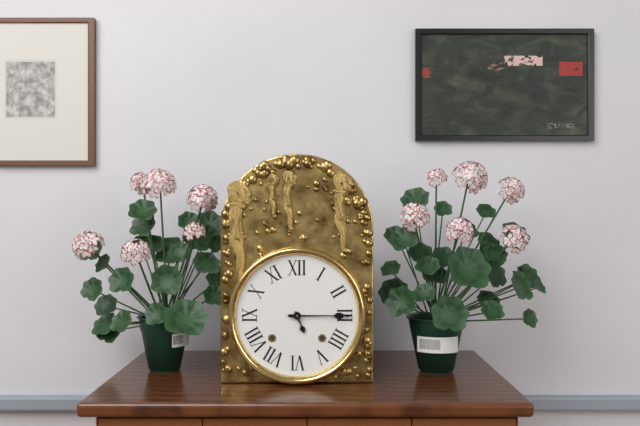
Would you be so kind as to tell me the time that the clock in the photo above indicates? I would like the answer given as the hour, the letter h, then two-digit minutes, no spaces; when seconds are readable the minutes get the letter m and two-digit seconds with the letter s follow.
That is 5h15
